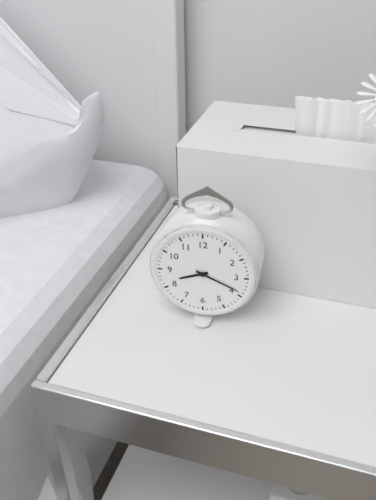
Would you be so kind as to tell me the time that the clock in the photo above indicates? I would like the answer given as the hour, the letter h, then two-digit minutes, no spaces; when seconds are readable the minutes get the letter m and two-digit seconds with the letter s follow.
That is 8h19
